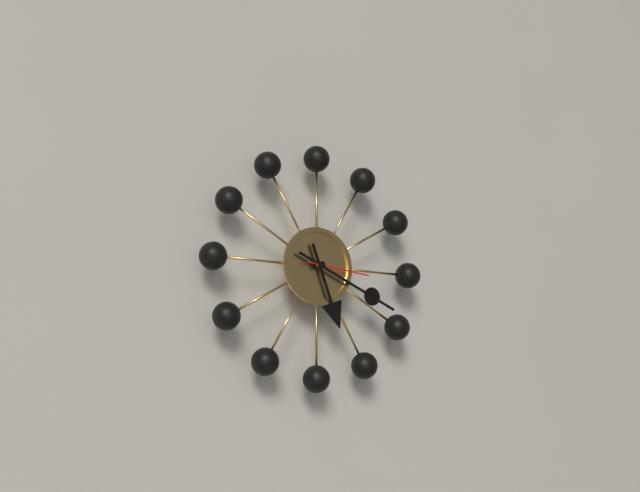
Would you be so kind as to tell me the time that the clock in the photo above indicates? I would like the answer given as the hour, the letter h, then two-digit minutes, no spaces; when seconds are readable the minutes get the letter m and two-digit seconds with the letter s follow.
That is 5h19m16s
